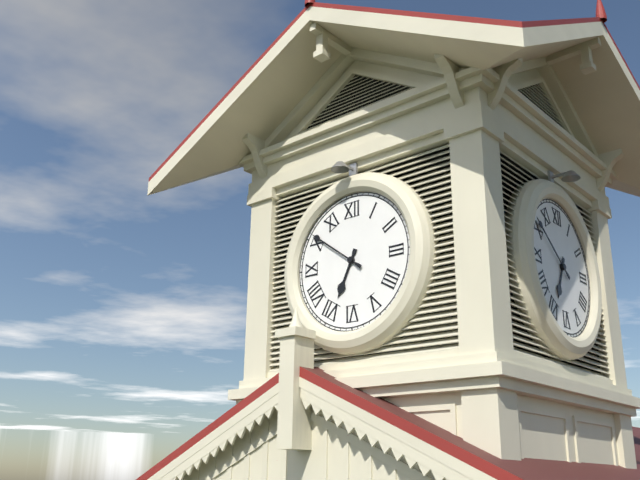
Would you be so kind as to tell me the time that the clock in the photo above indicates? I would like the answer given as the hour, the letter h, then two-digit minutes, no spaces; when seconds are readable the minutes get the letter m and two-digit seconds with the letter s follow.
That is 6h51
